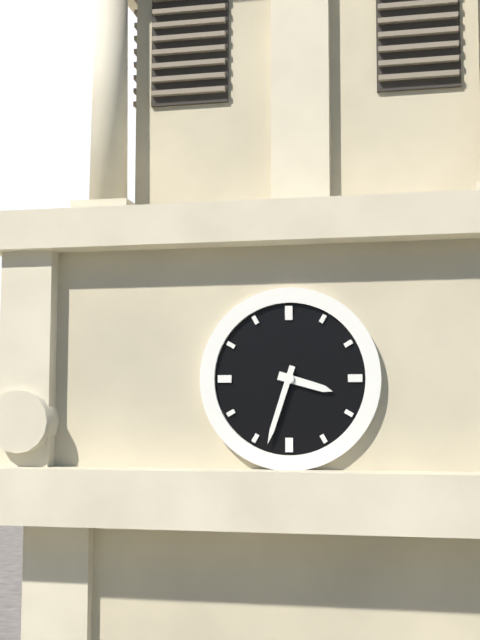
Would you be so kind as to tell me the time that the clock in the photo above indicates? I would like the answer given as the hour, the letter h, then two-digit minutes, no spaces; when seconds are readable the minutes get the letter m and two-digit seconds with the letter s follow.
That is 3h33
